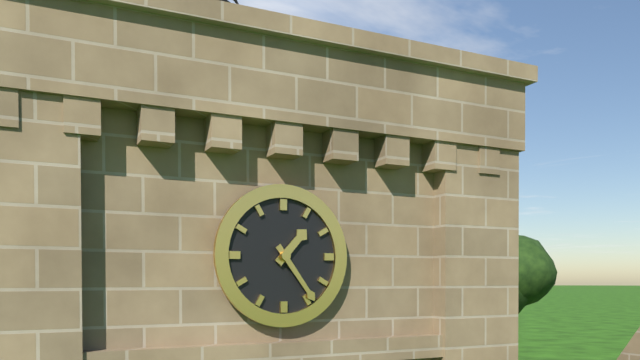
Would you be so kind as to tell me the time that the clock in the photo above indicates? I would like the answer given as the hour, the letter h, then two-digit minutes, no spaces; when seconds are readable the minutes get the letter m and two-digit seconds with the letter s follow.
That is 1h24
